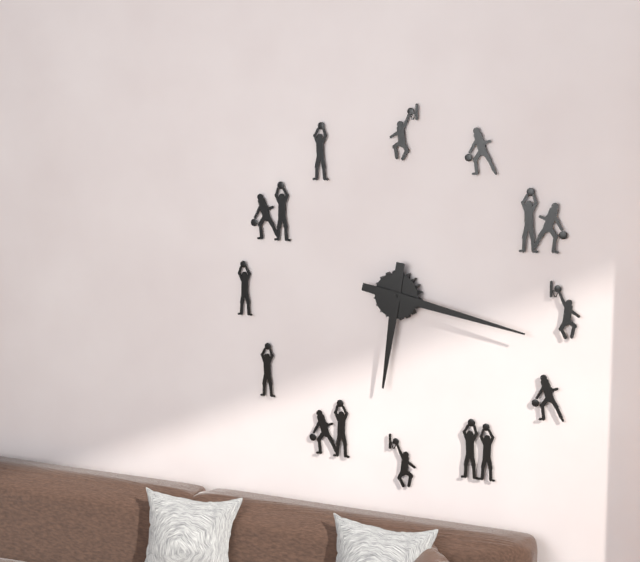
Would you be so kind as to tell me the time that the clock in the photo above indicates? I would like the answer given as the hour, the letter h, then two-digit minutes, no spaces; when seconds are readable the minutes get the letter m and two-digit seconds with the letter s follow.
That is 6h17
